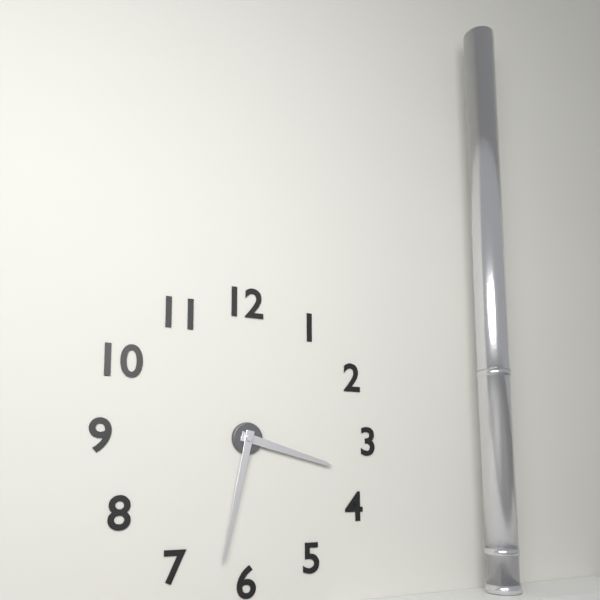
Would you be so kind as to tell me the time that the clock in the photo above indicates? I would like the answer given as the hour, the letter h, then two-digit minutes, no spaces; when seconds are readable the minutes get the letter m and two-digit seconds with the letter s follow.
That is 3h32
